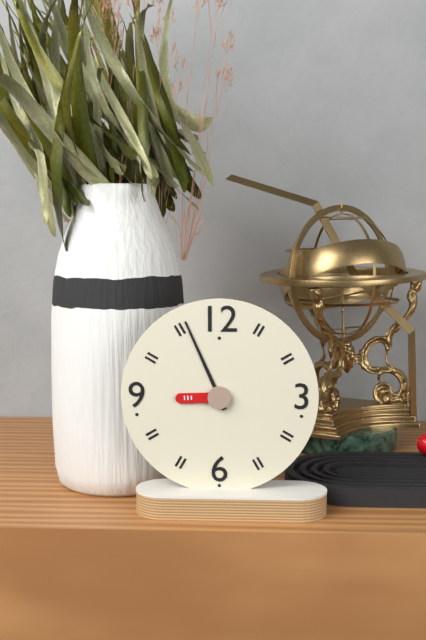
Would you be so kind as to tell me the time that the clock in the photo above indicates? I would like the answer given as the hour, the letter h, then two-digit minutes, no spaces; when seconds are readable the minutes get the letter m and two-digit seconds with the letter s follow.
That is 8h56
